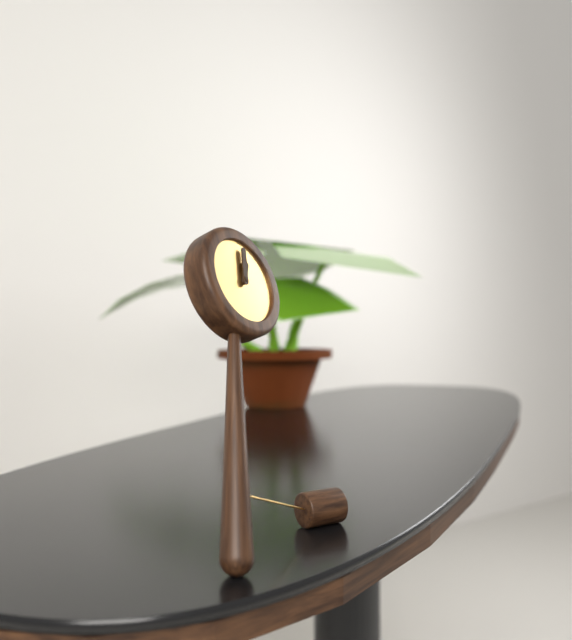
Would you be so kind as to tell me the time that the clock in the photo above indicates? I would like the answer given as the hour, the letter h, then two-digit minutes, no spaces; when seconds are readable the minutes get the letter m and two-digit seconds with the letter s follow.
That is 1h03
